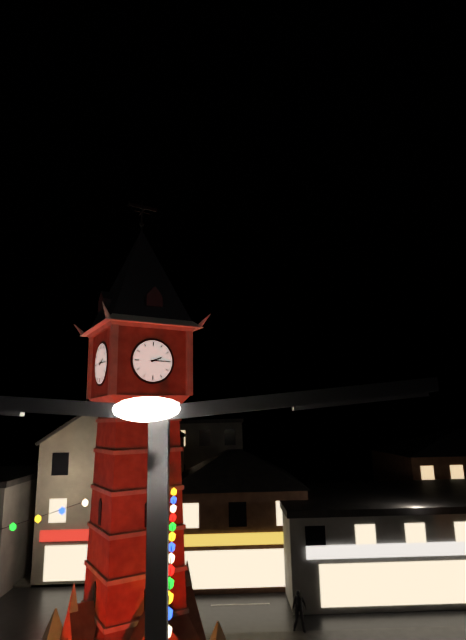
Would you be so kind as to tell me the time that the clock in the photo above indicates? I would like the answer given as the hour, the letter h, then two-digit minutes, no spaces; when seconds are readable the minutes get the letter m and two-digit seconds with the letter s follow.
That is 2h15
